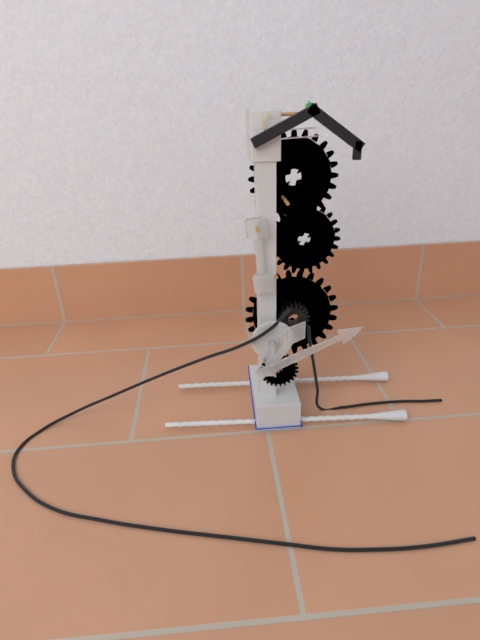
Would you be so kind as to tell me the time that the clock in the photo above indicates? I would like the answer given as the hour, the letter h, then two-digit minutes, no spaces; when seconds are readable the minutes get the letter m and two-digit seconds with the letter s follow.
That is 1h11
